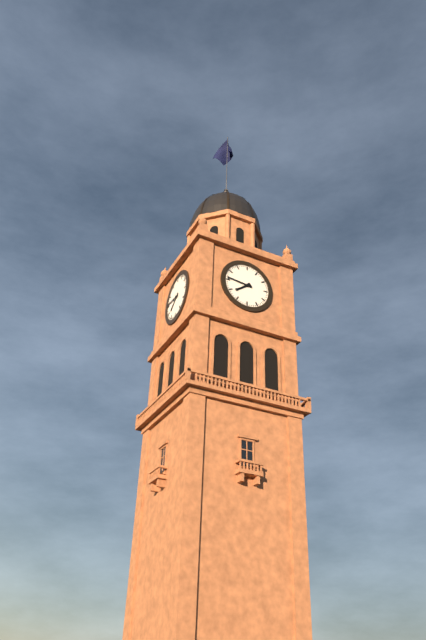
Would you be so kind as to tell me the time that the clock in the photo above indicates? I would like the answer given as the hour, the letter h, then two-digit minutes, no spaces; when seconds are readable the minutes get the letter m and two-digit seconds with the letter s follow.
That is 7h46
